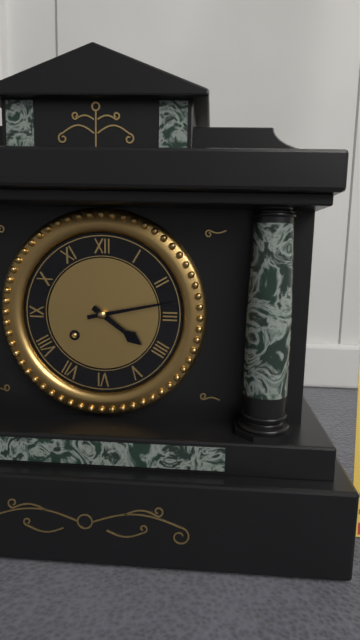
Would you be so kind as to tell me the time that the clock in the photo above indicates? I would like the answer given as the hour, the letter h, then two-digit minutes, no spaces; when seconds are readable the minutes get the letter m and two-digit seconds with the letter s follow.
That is 4h13
